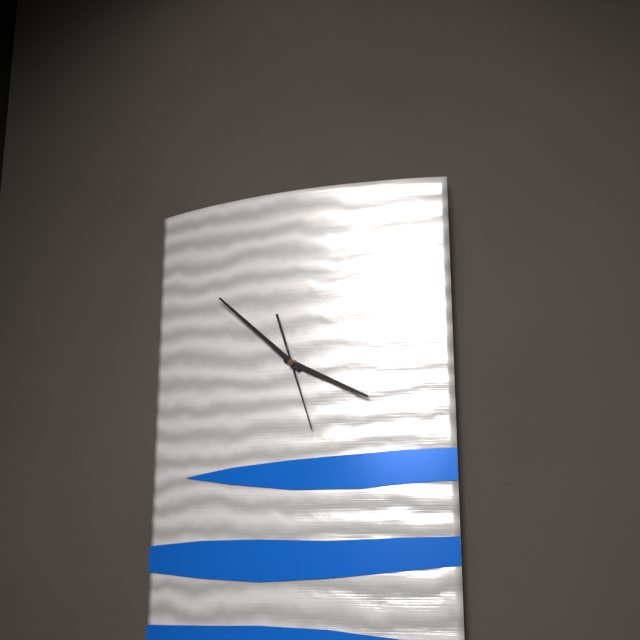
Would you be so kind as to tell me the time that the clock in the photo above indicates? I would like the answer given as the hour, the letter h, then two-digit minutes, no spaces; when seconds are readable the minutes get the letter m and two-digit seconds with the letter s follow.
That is 3h52m27s
